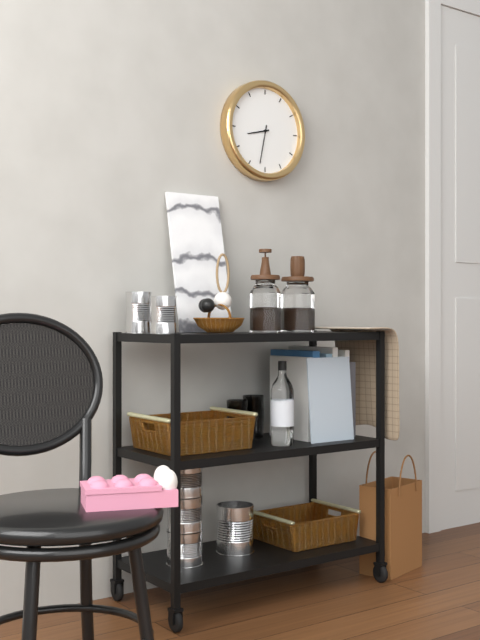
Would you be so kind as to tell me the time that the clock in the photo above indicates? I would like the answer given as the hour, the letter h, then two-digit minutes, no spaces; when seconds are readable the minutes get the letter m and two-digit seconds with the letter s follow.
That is 8h32
